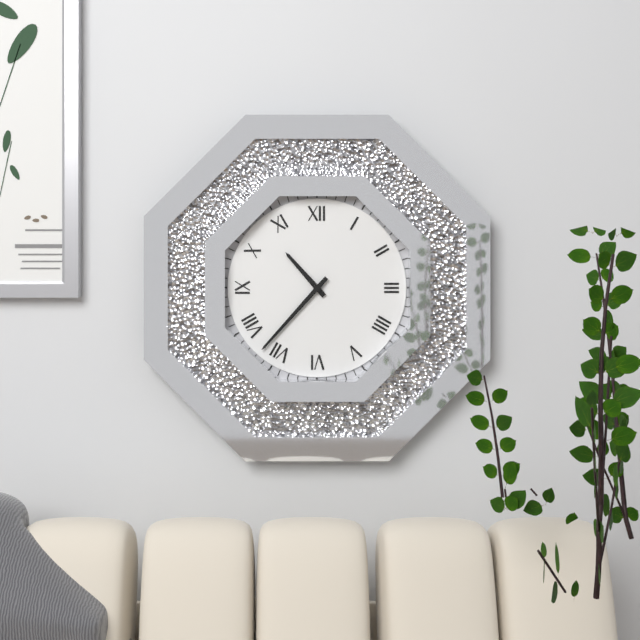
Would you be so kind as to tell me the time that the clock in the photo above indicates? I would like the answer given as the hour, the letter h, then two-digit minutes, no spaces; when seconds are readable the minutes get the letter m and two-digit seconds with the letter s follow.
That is 10h37
